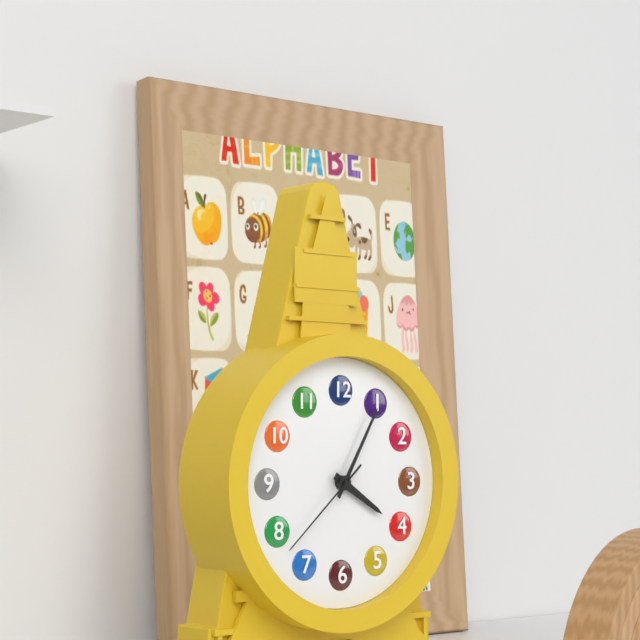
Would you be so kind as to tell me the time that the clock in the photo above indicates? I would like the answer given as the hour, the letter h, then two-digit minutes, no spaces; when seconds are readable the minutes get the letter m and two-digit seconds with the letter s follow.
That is 4h05m38s
